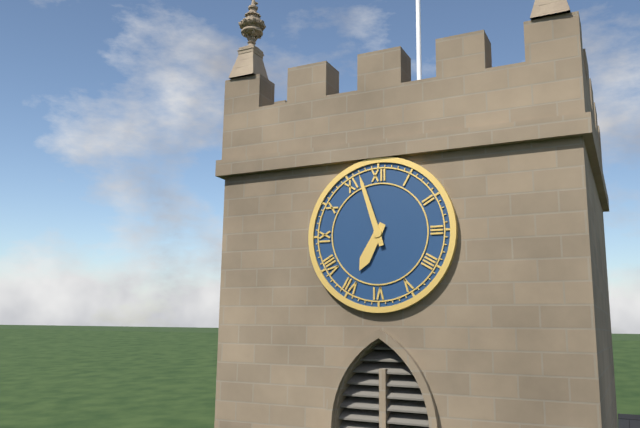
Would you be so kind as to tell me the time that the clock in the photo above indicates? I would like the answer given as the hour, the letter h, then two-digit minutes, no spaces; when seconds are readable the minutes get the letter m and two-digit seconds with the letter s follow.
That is 6h57
